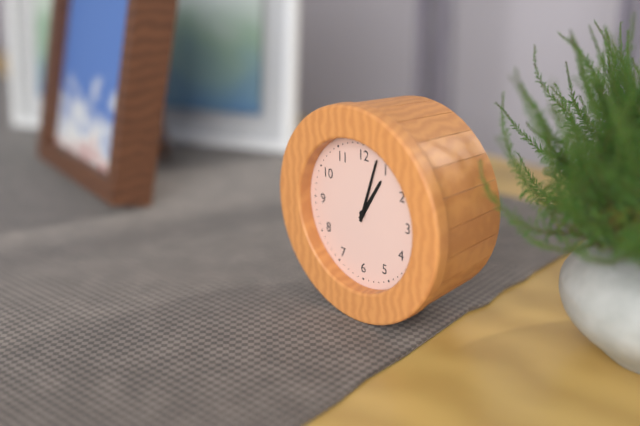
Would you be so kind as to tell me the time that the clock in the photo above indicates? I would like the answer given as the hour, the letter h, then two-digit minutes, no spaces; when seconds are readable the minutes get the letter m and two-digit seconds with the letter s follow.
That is 1h03
